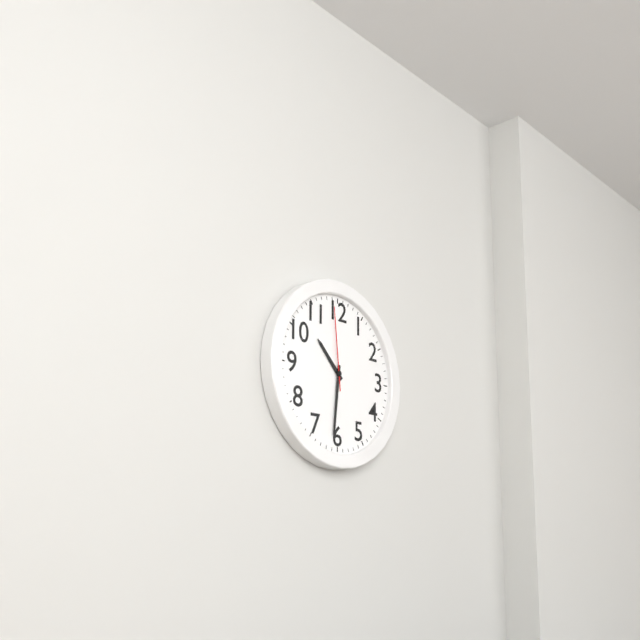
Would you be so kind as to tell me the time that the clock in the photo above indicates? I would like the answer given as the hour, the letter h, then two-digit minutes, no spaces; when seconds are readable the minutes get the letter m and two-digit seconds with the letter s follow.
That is 10h31m59s
